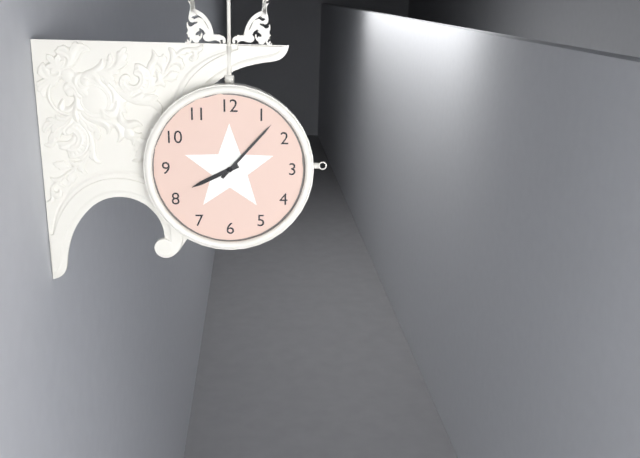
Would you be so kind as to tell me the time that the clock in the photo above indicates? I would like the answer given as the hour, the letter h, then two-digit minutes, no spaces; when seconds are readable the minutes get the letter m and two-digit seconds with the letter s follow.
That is 8h07
